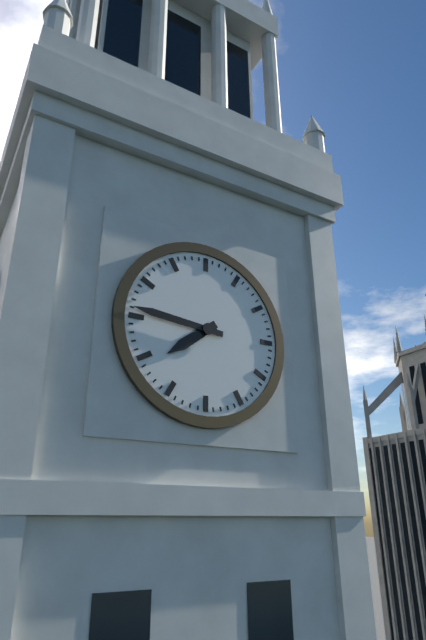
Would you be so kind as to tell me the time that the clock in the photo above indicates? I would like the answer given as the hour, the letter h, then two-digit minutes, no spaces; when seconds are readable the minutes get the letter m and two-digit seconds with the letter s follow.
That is 7h46
